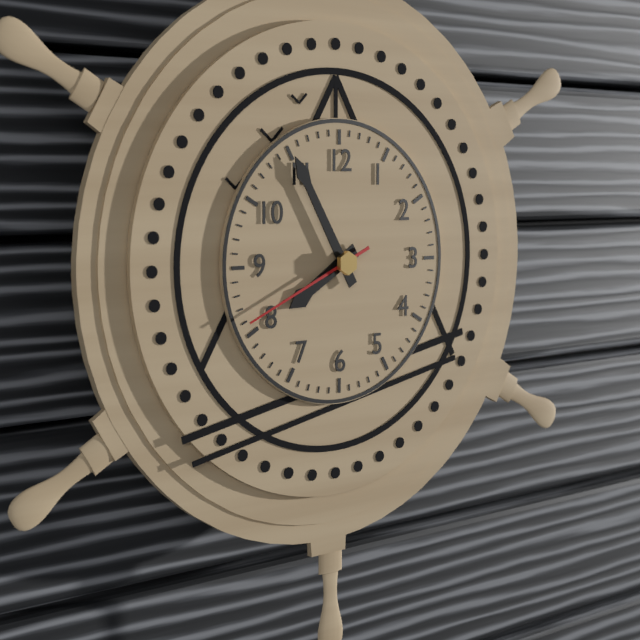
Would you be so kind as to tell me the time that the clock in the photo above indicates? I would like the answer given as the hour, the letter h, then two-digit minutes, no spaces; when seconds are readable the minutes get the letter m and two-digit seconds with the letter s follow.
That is 7h55m41s
